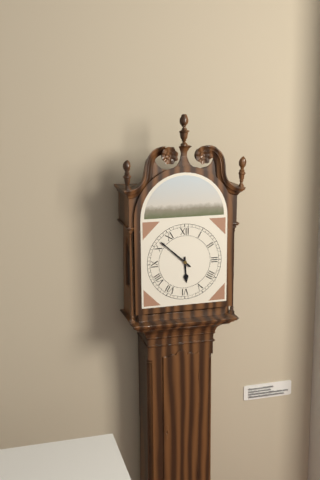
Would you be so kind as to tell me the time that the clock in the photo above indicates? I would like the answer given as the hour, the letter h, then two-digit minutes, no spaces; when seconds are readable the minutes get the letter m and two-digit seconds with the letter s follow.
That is 5h52
